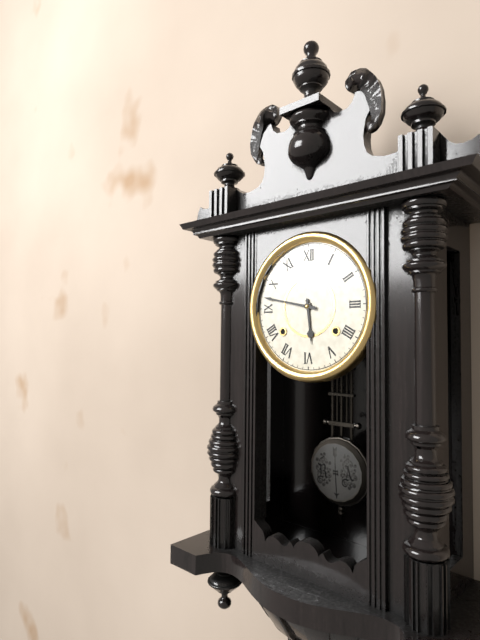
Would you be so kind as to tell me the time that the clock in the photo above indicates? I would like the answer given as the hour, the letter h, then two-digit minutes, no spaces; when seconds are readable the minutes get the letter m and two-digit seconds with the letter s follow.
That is 5h47
